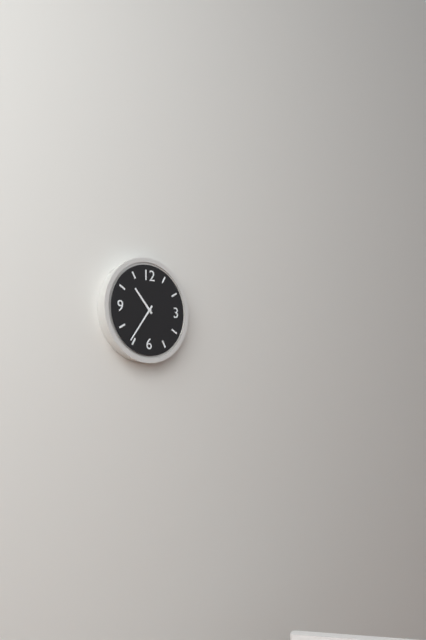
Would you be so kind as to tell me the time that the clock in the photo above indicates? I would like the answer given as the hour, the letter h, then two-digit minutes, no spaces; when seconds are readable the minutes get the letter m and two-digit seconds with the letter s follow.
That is 10h36
